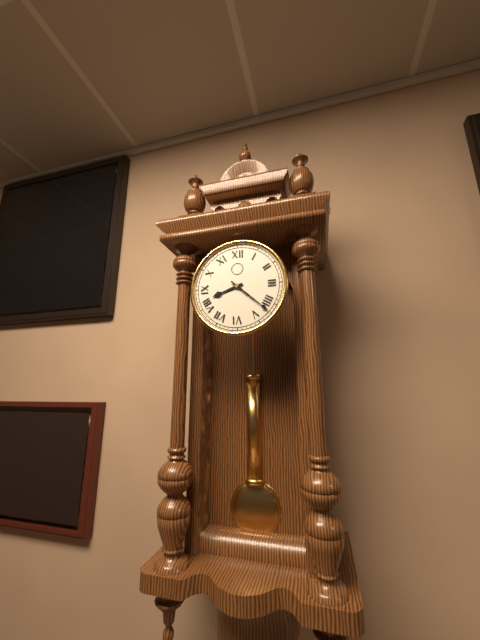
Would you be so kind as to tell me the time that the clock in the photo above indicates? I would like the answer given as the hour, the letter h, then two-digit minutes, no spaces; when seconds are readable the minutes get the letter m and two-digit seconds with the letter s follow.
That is 8h22
